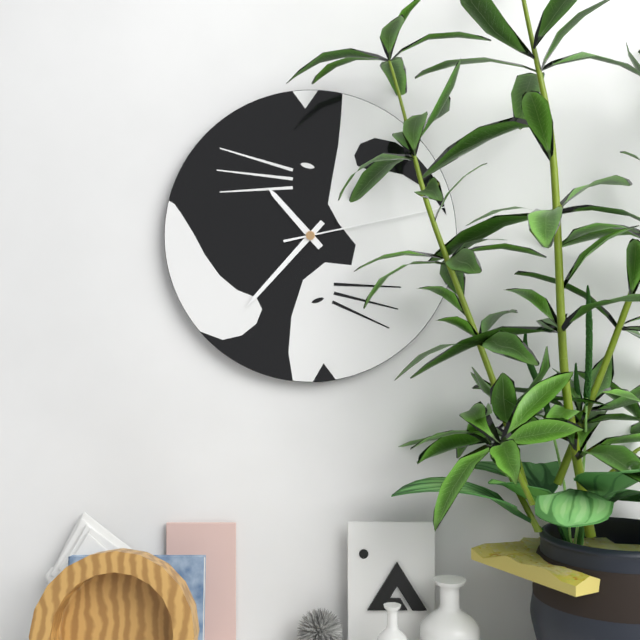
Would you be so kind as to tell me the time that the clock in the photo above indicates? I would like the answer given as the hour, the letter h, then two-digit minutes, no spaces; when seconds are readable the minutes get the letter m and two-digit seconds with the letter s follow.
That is 10h37m13s
